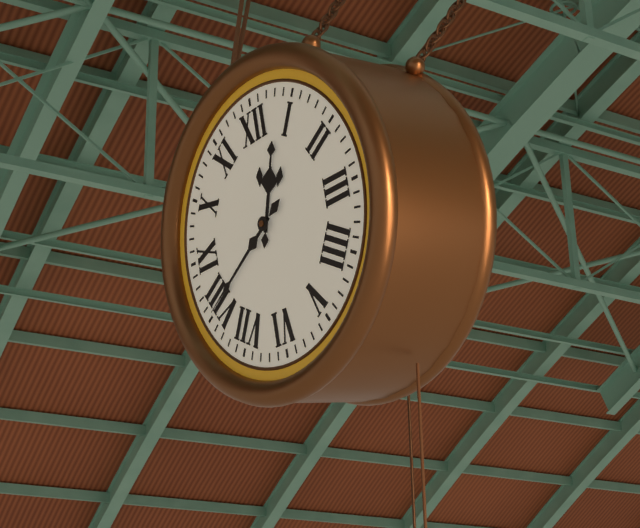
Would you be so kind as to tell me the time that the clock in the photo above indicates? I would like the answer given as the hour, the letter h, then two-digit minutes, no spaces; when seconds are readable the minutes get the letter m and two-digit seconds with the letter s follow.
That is 12h40
